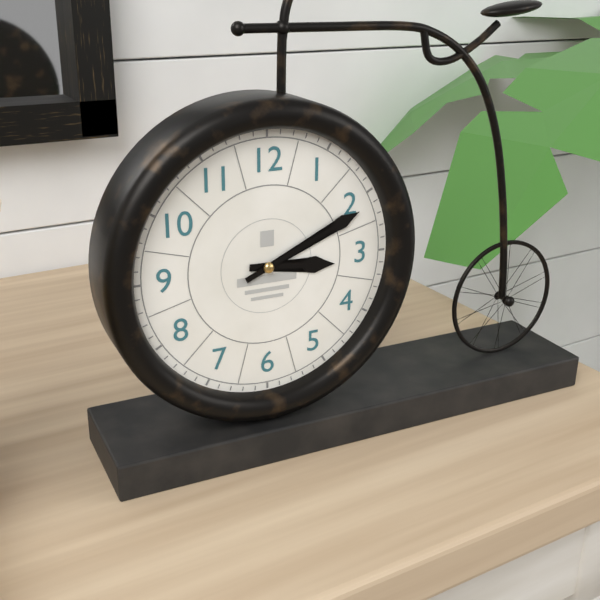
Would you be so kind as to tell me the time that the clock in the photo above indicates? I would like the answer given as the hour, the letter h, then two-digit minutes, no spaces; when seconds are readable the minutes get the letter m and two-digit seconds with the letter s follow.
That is 3h11
